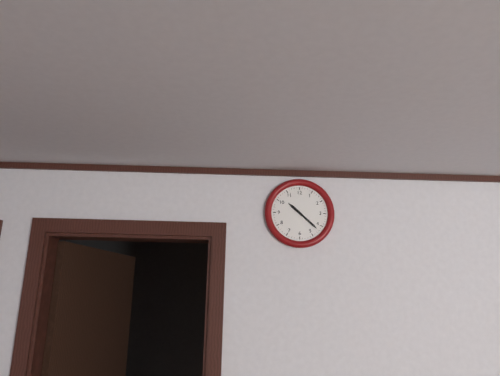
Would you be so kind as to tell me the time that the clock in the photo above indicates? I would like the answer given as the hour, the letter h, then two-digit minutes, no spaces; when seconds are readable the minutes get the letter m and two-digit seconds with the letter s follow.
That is 10h22
